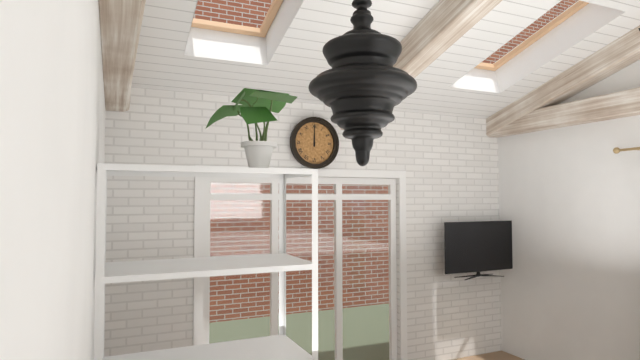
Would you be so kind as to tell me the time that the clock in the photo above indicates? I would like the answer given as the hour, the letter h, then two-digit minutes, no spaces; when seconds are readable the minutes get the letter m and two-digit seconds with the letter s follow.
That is 12h00
